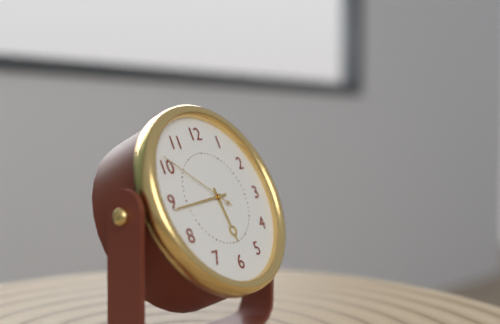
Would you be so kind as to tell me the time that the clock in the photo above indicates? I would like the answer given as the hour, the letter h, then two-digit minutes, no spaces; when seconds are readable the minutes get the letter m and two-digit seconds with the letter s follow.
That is 5h44m51s
